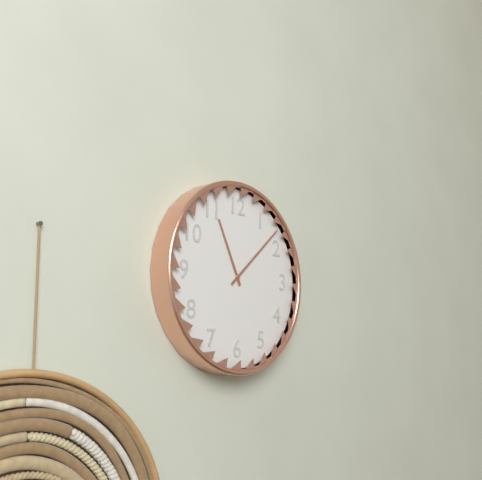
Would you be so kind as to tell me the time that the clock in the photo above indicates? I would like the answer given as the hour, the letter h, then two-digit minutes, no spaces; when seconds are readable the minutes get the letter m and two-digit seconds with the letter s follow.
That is 11h08
